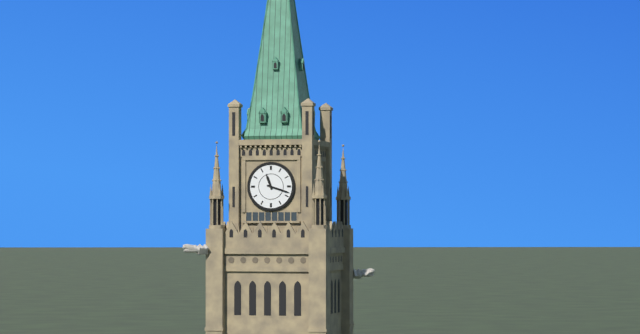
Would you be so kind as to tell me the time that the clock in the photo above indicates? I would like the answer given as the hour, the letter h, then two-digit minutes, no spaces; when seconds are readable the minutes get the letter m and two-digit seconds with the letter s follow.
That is 11h18
